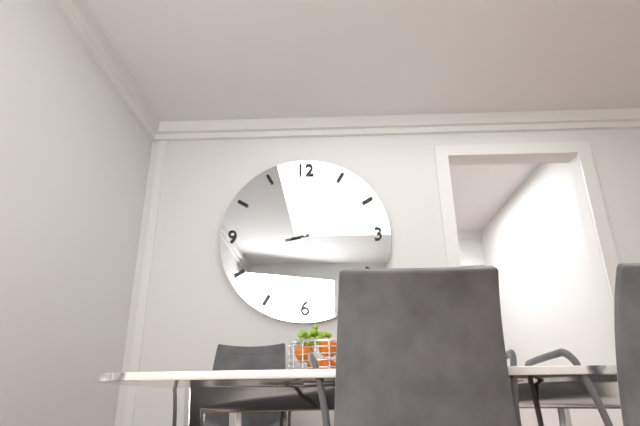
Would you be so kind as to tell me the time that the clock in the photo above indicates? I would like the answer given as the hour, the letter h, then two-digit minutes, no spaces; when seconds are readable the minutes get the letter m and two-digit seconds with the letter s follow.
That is 8h43
